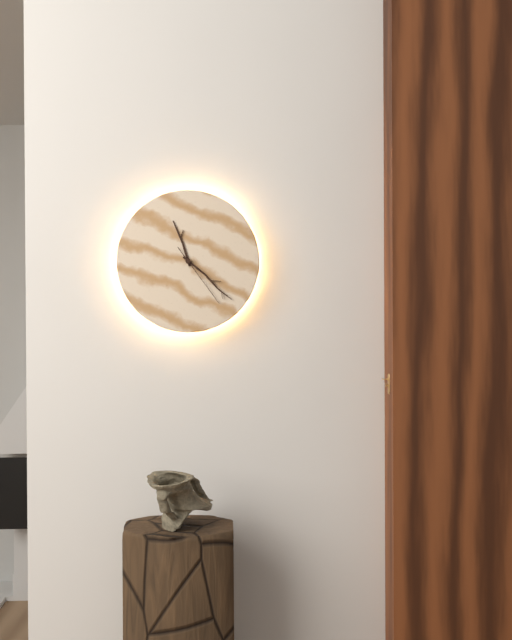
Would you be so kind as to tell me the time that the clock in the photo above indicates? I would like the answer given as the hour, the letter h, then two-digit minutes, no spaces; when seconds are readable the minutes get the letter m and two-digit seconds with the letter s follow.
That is 11h22m24s
